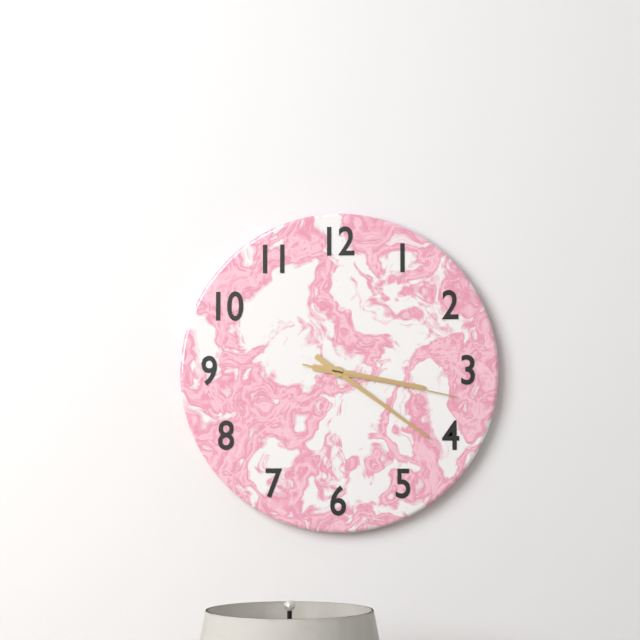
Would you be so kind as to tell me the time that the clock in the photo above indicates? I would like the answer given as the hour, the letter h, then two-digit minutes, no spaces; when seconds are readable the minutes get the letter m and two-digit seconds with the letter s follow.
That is 3h21m17s
